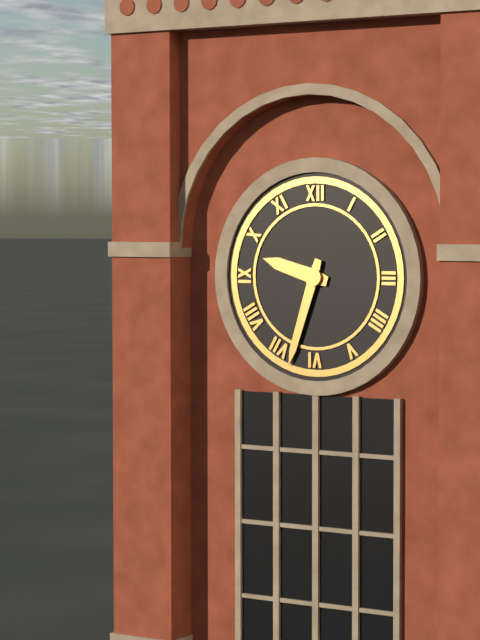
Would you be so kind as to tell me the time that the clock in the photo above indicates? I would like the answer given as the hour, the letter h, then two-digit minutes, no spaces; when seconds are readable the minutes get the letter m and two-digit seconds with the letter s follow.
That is 9h33
